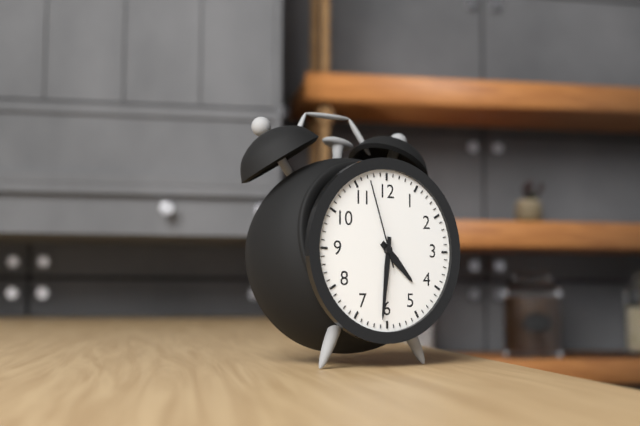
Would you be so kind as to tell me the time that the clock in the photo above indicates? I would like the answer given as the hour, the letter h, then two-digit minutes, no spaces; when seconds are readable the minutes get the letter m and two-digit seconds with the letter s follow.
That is 4h31m57s
